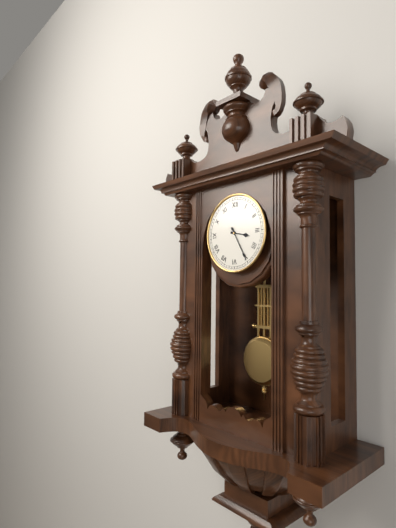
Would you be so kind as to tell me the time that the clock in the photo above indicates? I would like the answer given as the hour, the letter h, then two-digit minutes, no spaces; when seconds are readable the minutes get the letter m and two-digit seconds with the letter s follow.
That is 3h25
